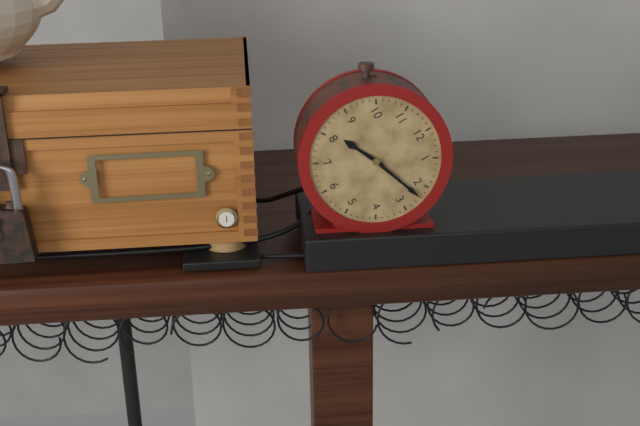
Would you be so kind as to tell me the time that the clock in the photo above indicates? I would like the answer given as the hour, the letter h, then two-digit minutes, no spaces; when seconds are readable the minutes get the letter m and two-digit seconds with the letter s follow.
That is 8h12
